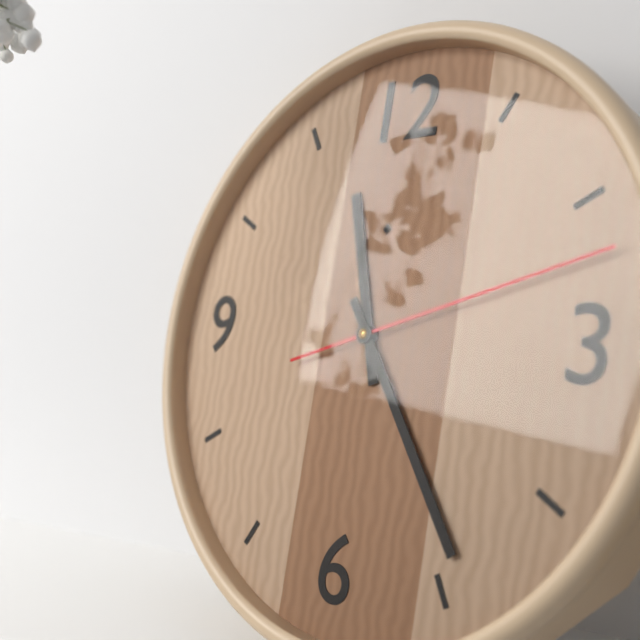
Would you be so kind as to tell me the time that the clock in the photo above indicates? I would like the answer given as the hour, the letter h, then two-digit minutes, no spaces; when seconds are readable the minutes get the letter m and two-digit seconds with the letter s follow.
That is 11h24m12s
